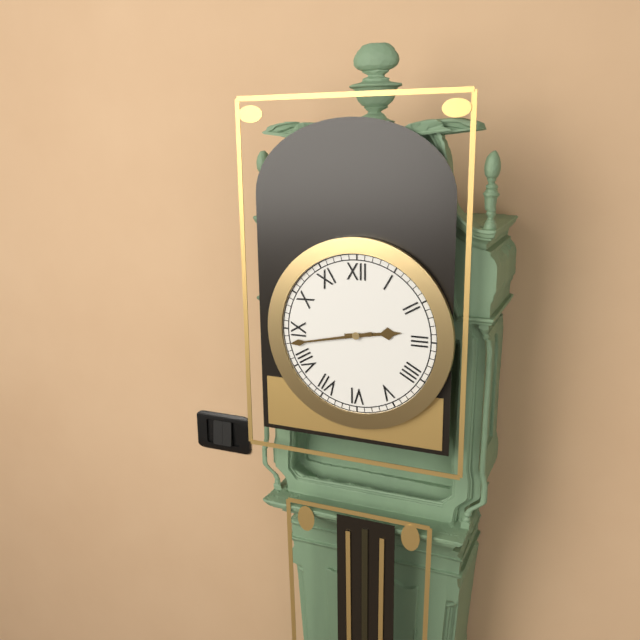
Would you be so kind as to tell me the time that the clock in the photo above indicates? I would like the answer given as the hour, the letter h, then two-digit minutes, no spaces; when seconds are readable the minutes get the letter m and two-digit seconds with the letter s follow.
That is 2h43
